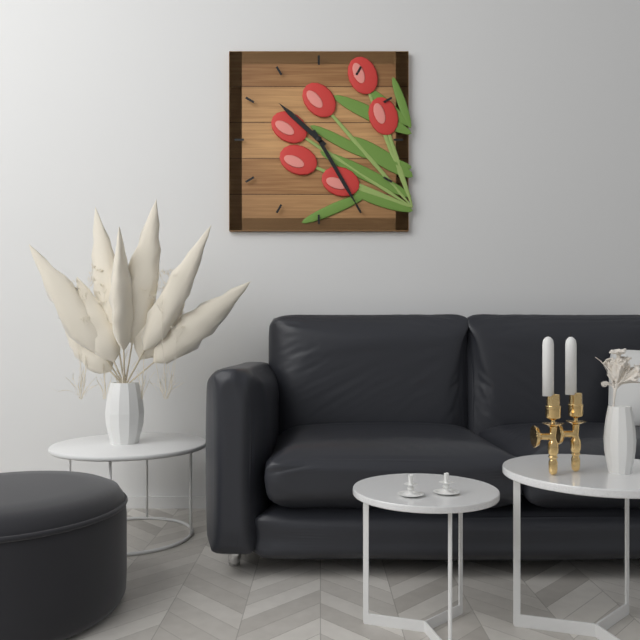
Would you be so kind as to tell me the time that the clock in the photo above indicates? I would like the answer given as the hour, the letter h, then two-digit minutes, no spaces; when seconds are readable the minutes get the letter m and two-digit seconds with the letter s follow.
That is 10h25
